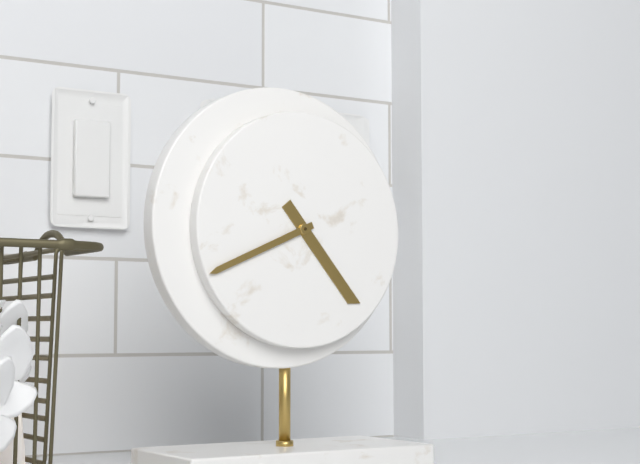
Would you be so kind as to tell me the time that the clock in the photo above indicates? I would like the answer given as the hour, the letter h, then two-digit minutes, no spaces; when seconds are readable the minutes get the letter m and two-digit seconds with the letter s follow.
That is 4h41
